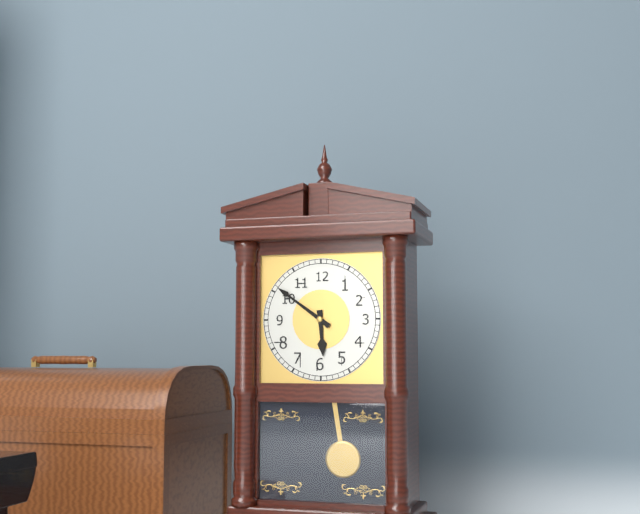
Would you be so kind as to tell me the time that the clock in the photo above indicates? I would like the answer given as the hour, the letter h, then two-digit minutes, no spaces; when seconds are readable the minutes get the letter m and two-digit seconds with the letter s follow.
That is 5h51
